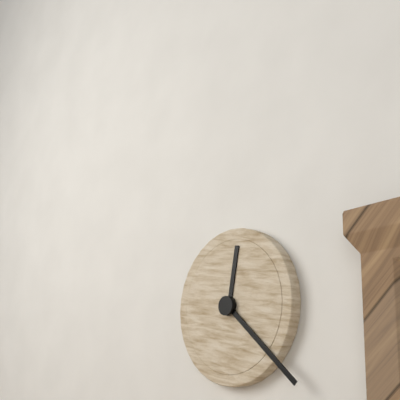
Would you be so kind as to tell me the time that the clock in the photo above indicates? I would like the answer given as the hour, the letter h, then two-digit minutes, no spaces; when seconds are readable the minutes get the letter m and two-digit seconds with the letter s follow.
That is 12h22
